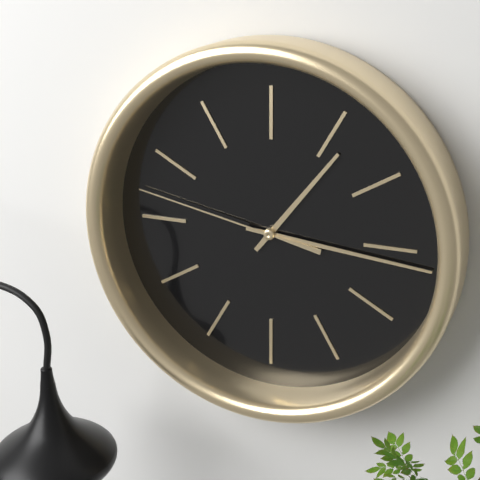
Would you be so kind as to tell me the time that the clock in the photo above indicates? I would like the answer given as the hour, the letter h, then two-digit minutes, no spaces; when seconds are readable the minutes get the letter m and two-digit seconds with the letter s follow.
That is 1h16m47s
